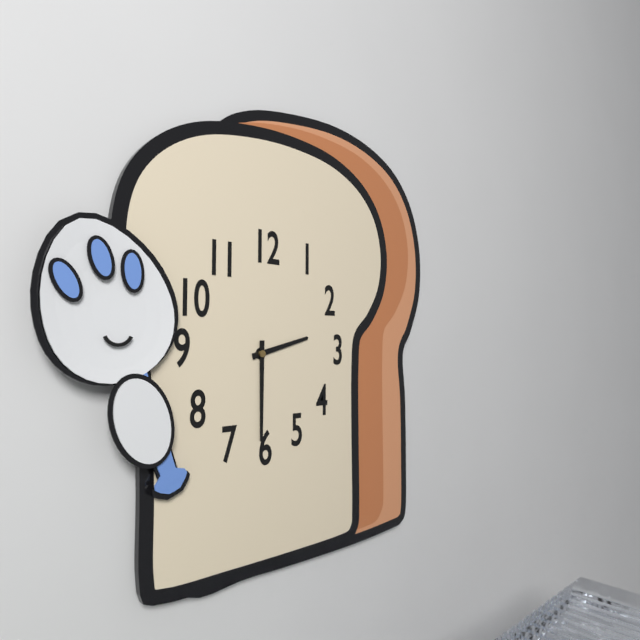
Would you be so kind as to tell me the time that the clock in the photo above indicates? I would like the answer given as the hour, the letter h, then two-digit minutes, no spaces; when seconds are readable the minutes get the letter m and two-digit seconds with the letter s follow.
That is 2h30
